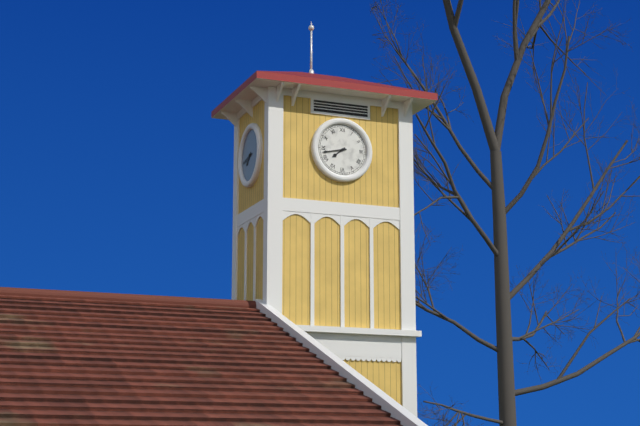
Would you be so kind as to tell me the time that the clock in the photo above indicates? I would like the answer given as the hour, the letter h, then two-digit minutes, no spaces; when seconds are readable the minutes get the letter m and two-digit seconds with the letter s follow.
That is 7h43
